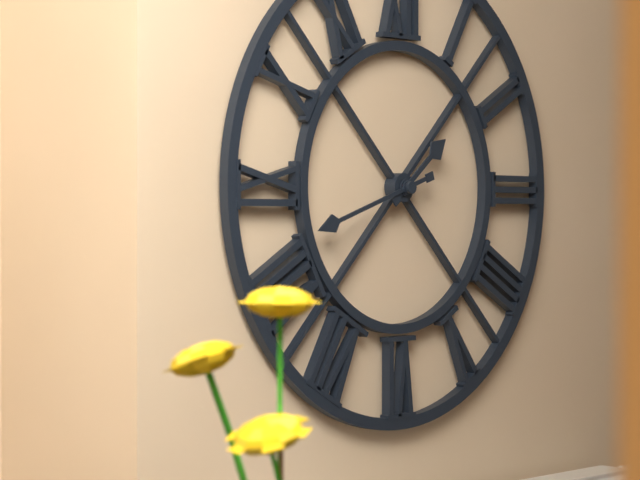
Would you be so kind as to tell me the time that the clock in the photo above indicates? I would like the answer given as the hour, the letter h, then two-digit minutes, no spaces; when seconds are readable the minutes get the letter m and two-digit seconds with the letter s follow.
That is 1h42
